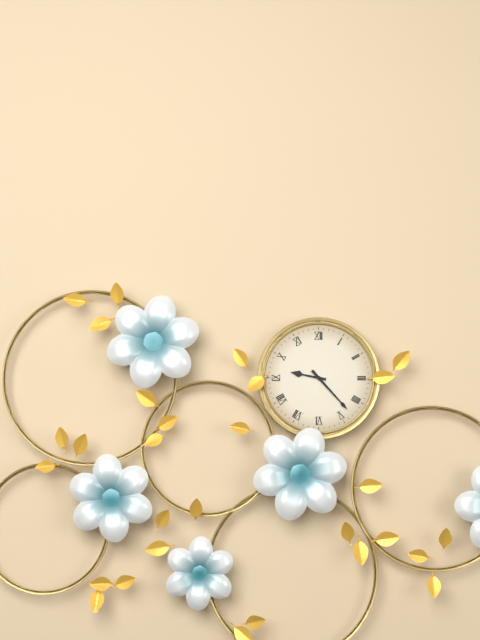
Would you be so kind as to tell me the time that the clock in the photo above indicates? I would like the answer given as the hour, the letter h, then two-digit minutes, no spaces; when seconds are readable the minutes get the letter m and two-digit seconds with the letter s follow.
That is 9h23
